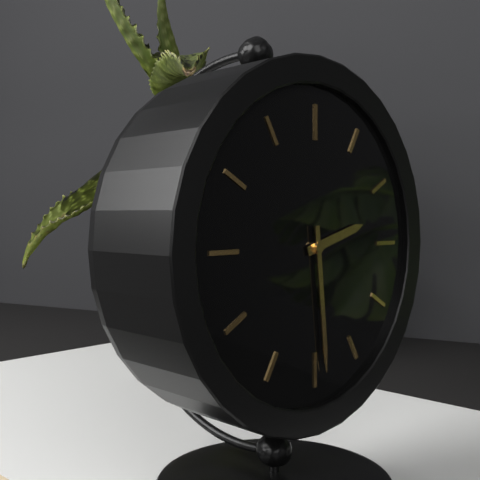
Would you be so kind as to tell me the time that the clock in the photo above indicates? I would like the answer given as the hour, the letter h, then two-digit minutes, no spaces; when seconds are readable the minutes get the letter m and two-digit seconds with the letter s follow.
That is 2h29
